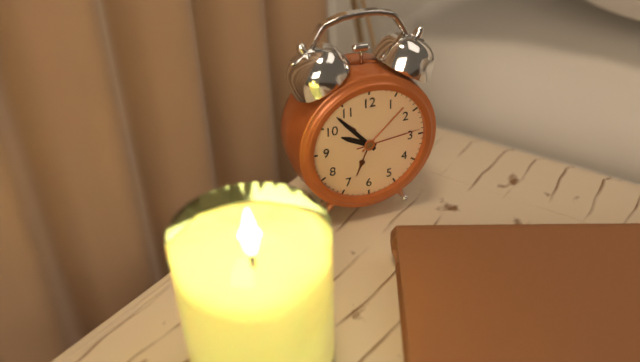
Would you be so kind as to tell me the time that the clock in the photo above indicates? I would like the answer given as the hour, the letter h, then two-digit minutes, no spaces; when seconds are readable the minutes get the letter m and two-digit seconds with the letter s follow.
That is 9h53m14s
